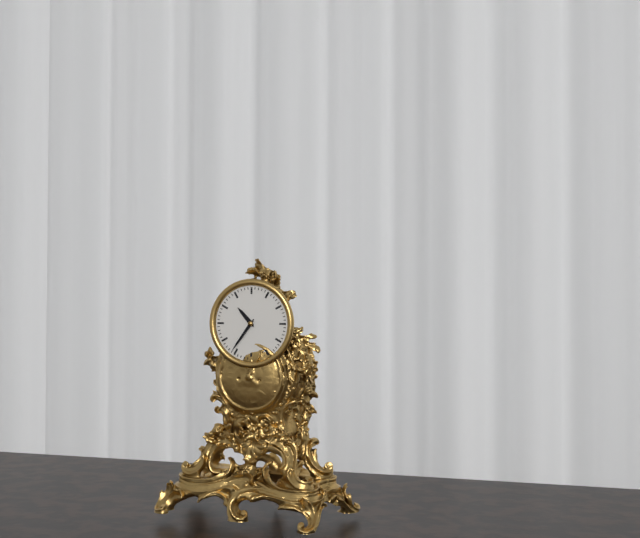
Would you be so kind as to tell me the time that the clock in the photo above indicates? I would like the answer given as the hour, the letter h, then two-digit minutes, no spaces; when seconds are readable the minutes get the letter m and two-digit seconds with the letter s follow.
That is 10h36
